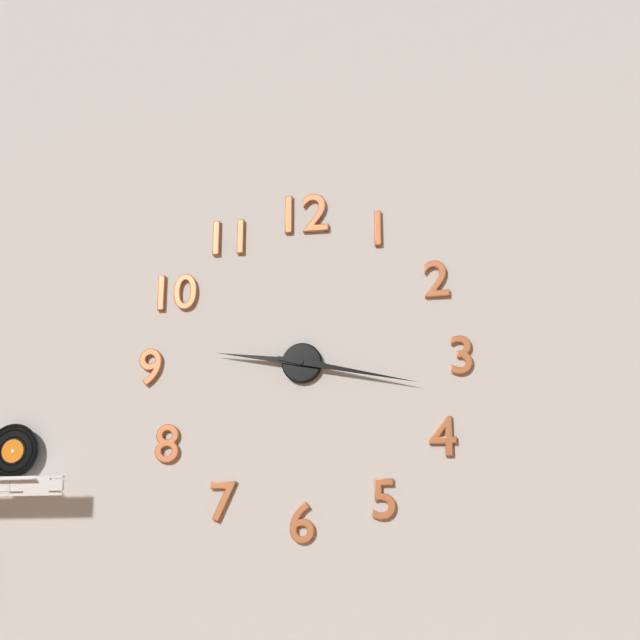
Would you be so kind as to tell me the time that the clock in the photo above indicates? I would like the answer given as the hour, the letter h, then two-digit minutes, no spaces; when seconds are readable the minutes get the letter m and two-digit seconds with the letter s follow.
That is 9h17
